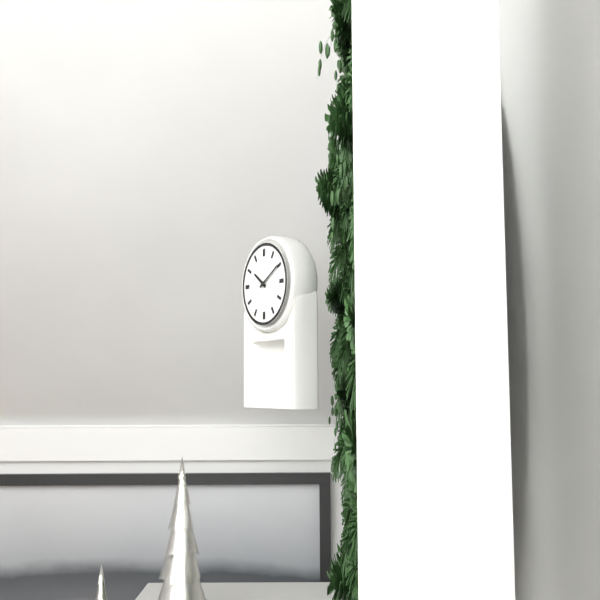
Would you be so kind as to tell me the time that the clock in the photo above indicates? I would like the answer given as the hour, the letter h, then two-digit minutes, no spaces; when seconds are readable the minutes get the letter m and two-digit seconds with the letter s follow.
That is 10h10
